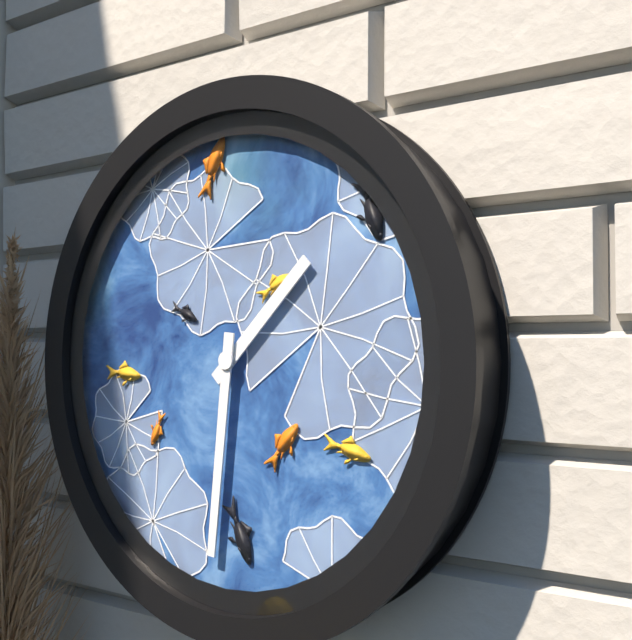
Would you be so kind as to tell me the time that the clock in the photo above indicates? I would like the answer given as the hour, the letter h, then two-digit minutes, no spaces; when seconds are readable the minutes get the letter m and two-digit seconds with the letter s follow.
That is 1h31
